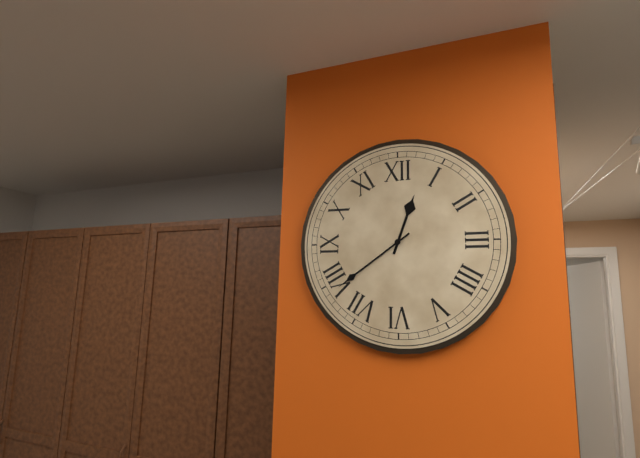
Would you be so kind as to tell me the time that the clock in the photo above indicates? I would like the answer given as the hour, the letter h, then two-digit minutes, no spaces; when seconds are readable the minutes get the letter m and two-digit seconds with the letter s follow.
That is 12h39
